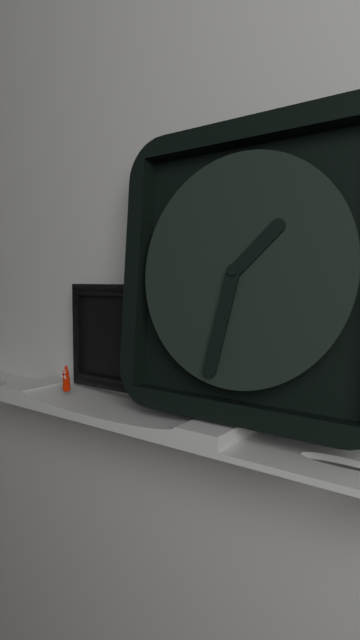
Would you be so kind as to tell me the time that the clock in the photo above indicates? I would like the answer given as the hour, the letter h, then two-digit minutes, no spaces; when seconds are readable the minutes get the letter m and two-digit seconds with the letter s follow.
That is 1h32
